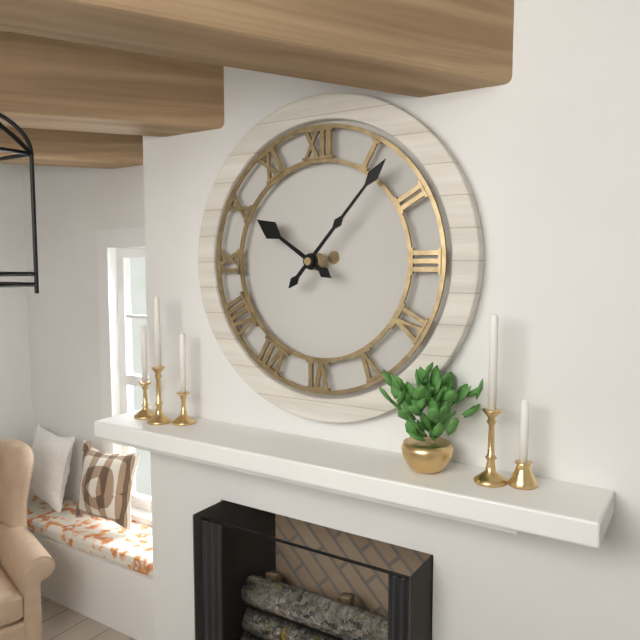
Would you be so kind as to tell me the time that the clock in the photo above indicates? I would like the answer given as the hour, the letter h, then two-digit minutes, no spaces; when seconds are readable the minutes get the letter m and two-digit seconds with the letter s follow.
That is 10h07
